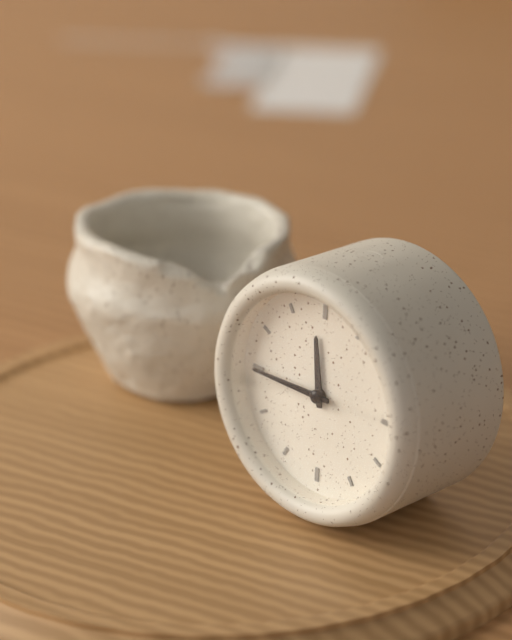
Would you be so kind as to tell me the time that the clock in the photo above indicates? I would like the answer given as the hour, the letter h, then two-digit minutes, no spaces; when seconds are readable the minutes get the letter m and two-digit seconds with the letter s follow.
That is 11h45
